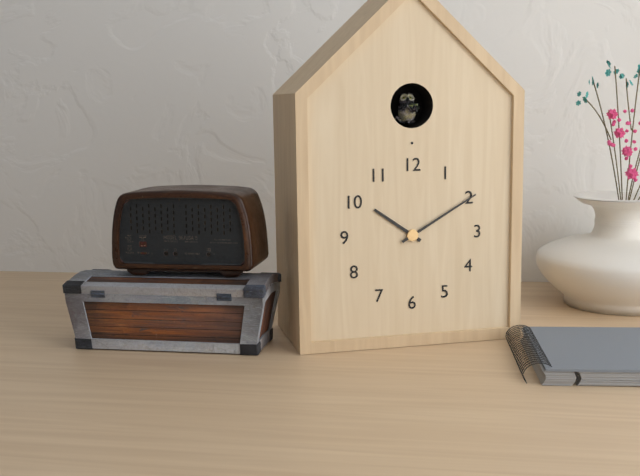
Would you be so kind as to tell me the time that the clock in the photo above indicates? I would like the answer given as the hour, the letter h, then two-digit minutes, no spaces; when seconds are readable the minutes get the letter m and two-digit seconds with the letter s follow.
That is 10h10
